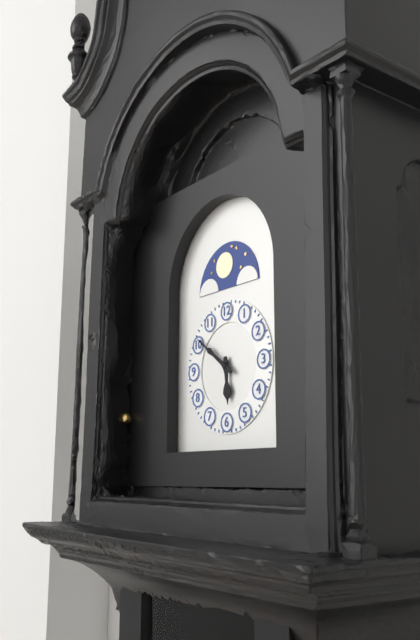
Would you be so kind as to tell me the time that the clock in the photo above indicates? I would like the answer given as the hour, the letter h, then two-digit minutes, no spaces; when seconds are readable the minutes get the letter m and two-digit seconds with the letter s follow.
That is 5h51
